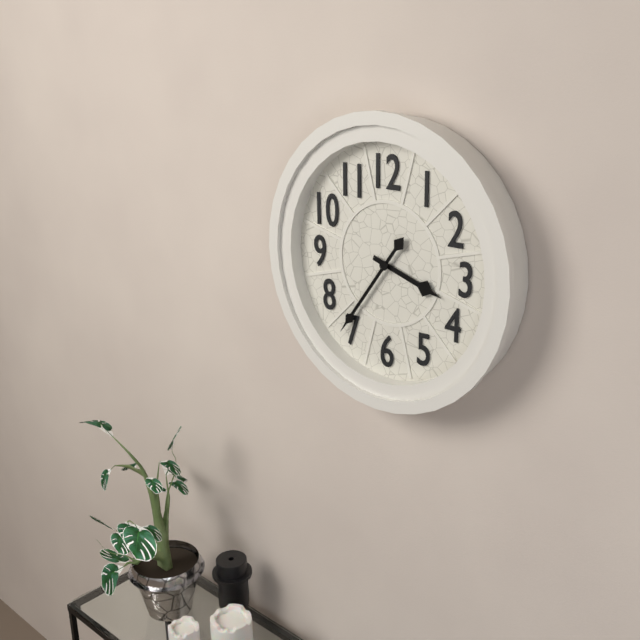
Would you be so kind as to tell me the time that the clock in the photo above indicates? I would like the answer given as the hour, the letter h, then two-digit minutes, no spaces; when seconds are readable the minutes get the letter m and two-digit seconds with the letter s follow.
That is 3h36
